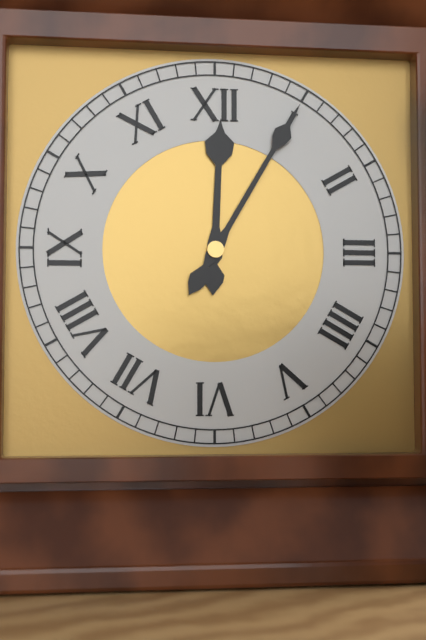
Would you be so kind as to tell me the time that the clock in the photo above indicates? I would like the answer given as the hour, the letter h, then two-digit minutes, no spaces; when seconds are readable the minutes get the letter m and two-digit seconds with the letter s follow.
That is 12h05
